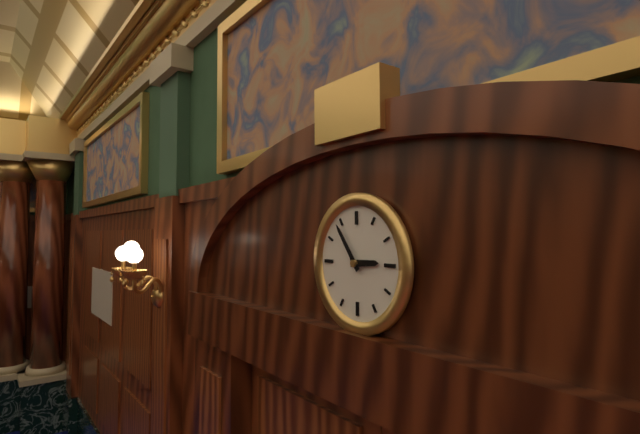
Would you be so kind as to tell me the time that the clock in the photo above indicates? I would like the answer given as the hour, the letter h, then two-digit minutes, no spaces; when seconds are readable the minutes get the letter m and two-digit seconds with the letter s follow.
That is 2h54
